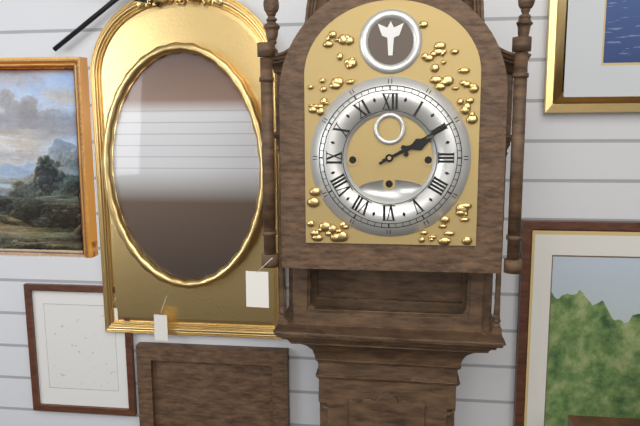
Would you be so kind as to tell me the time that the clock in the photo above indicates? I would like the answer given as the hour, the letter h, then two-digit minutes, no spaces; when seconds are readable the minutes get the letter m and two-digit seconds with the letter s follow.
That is 2h10
